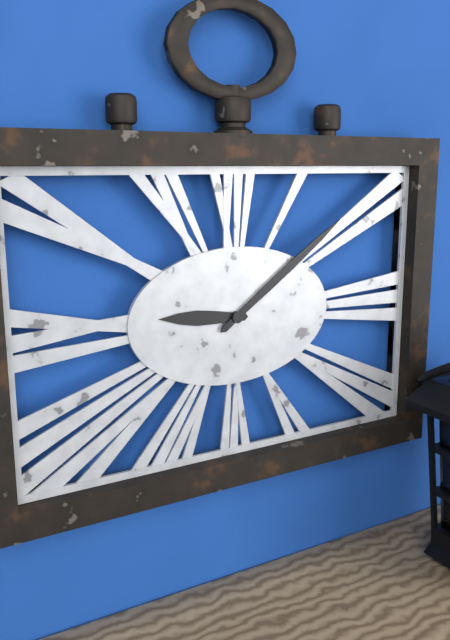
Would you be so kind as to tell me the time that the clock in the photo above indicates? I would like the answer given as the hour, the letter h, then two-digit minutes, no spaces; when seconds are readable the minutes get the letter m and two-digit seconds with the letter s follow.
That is 9h09
